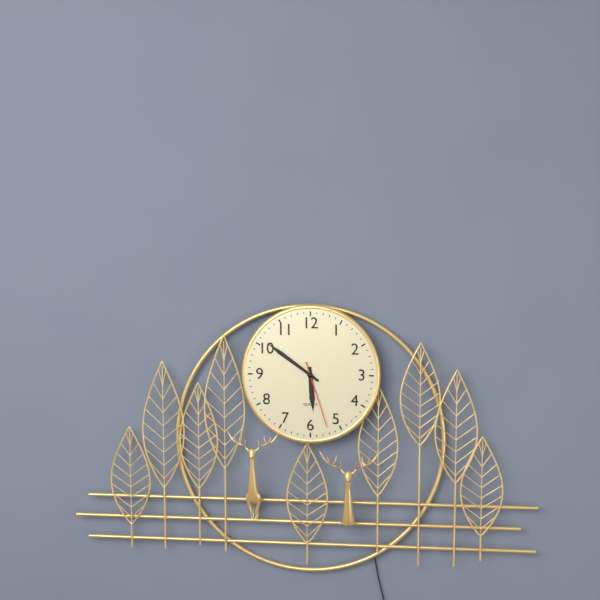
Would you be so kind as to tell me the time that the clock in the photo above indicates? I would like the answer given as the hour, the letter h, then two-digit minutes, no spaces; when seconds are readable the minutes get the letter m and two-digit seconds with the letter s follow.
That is 5h51m27s
